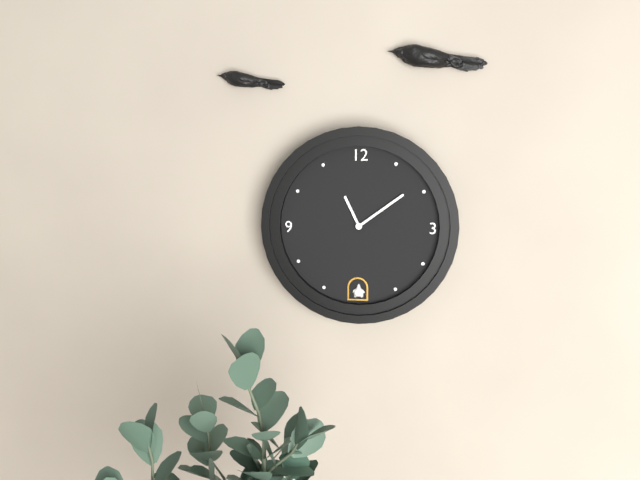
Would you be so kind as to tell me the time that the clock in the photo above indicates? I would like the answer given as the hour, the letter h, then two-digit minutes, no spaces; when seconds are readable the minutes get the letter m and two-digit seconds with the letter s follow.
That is 11h09
